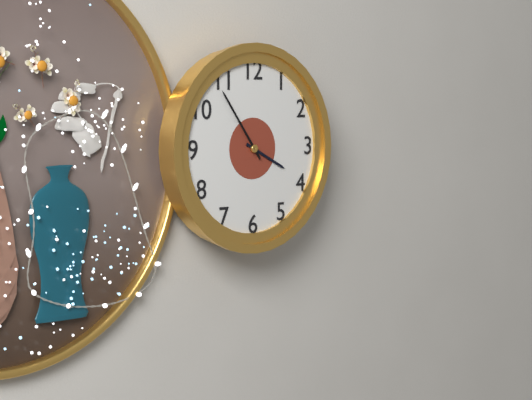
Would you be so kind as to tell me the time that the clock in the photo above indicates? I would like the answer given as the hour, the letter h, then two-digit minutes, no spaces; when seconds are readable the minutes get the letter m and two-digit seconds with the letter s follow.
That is 3h54
